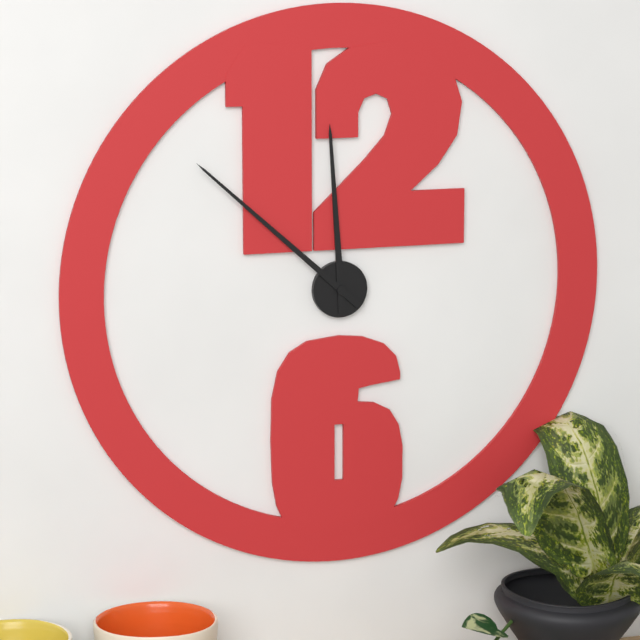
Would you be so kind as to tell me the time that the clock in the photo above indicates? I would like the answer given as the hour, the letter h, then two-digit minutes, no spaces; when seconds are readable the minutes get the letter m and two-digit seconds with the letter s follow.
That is 11h52
